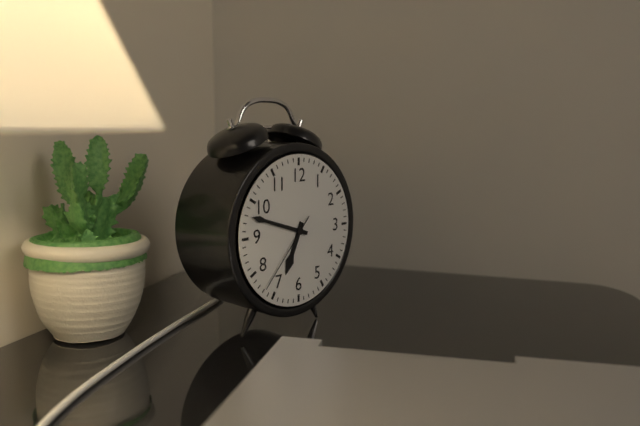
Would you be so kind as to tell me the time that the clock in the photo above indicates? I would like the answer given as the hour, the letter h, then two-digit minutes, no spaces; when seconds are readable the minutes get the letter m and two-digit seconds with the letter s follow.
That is 6h48m37s
